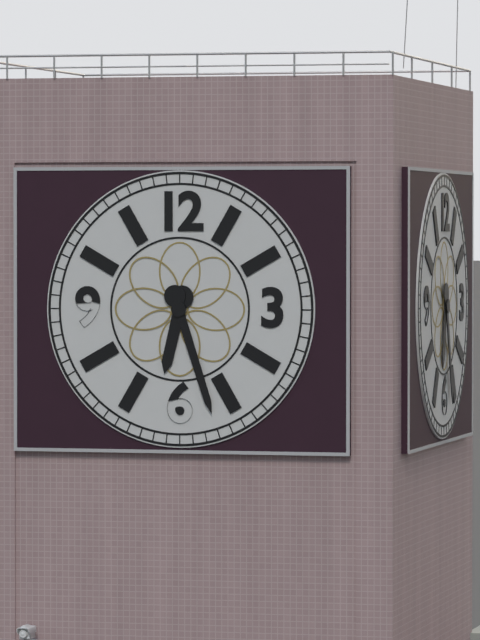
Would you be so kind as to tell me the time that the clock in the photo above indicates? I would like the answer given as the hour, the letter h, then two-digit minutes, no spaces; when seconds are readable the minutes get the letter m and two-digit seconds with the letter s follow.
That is 6h27
